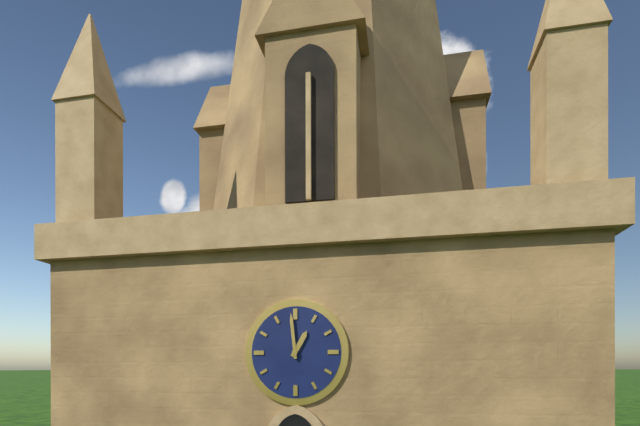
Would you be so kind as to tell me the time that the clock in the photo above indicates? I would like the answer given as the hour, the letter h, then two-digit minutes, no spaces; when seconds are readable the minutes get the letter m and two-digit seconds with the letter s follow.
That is 12h59
